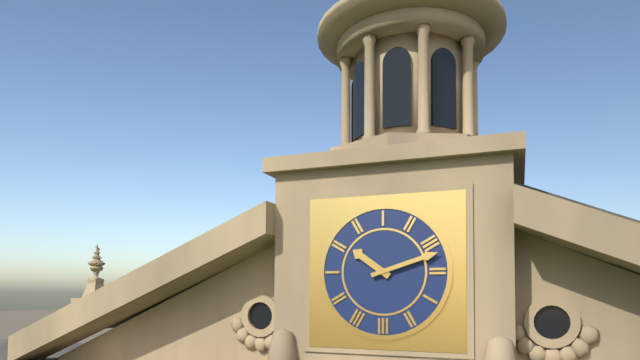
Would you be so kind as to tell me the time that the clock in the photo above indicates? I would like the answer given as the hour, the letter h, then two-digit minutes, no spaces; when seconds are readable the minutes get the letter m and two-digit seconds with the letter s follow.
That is 10h12
